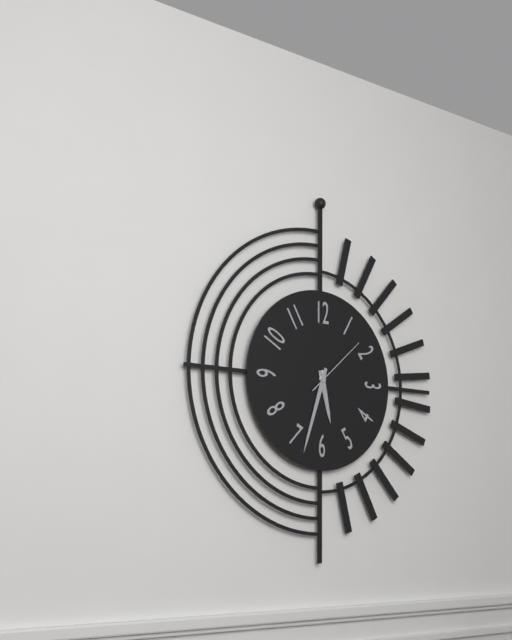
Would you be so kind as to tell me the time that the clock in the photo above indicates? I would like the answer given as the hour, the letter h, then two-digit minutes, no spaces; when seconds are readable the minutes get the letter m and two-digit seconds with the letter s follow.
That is 5h33m08s
